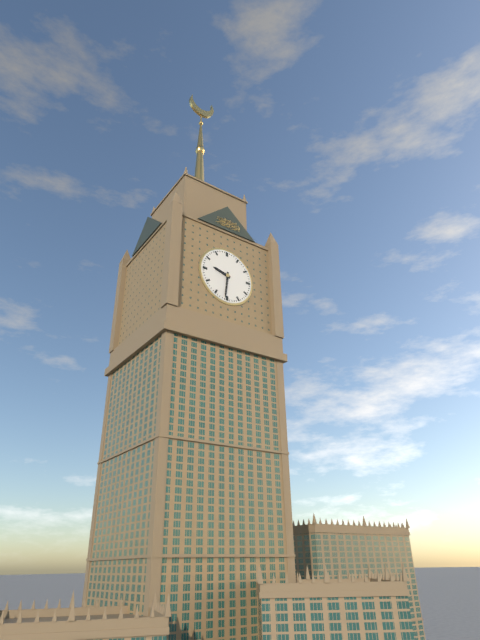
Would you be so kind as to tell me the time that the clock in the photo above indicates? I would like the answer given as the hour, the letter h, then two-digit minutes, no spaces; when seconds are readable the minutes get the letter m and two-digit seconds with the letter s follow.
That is 9h31
